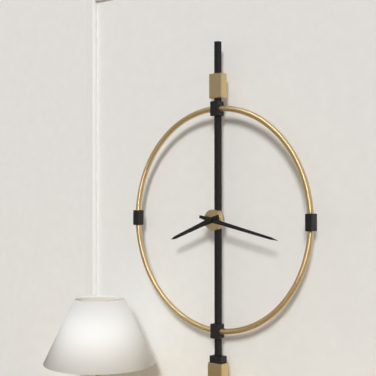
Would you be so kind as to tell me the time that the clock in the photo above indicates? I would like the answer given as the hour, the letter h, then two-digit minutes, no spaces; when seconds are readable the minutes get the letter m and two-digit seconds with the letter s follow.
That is 8h17
